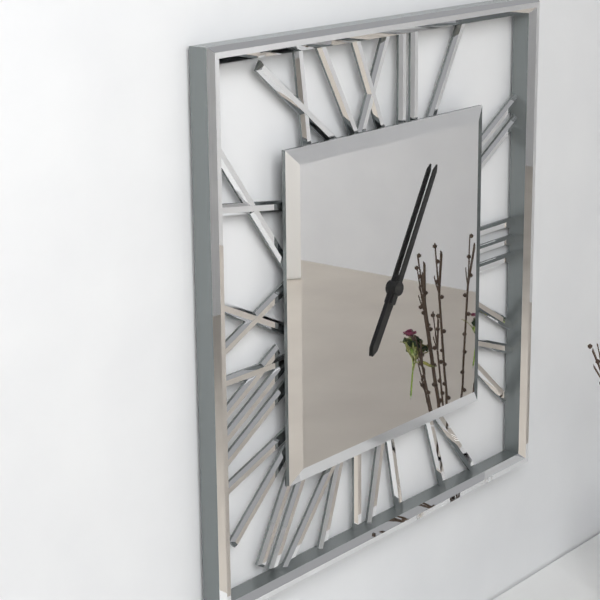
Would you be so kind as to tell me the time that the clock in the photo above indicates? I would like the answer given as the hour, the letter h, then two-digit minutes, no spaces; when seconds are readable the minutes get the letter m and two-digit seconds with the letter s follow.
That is 7h05
